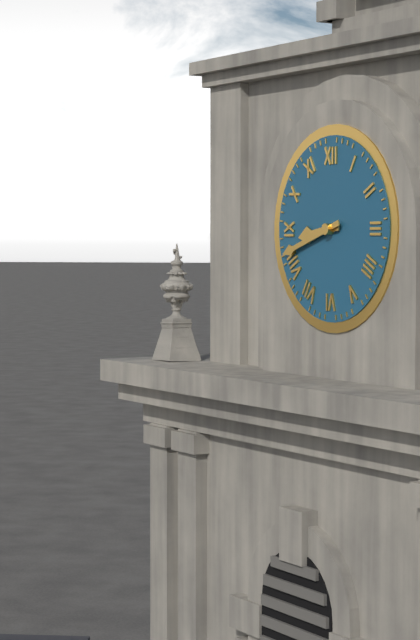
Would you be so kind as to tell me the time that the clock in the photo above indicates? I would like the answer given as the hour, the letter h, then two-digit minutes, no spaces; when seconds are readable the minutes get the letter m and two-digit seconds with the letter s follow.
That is 8h42
